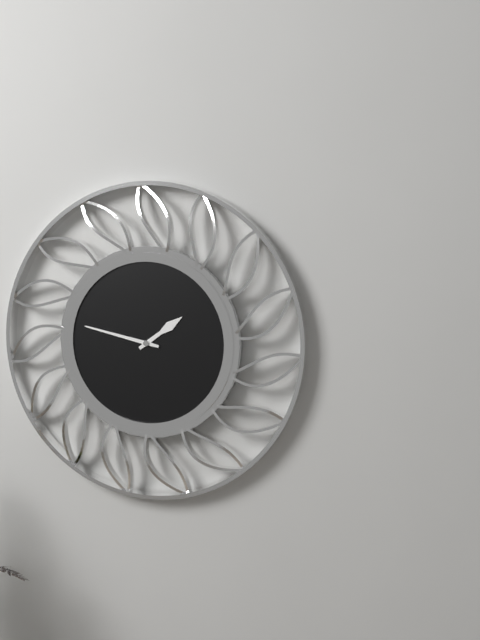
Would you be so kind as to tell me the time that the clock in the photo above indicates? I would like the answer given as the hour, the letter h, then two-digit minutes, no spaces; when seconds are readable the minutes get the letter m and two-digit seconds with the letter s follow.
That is 1h47
